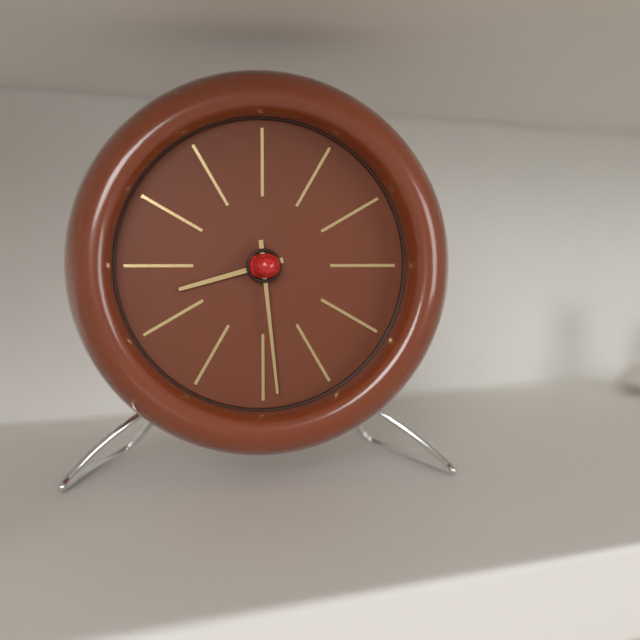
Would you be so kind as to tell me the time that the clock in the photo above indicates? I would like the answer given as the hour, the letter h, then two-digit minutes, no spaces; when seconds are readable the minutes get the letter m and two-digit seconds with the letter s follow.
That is 8h29
